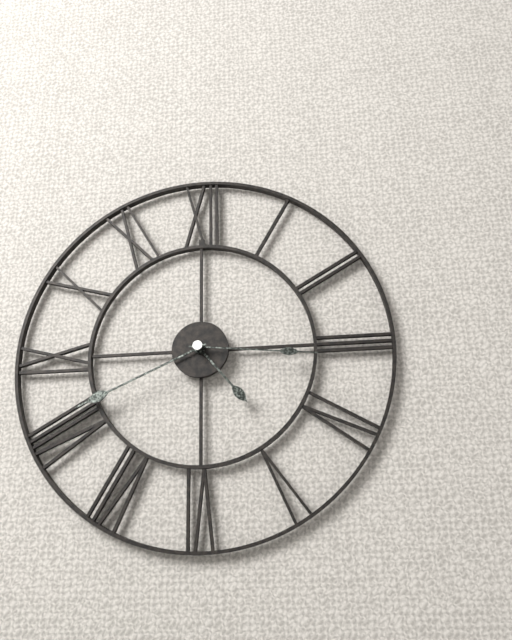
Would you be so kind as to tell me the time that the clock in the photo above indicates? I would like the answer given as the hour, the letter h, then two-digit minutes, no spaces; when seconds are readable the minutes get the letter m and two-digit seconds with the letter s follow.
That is 4h41m16s
